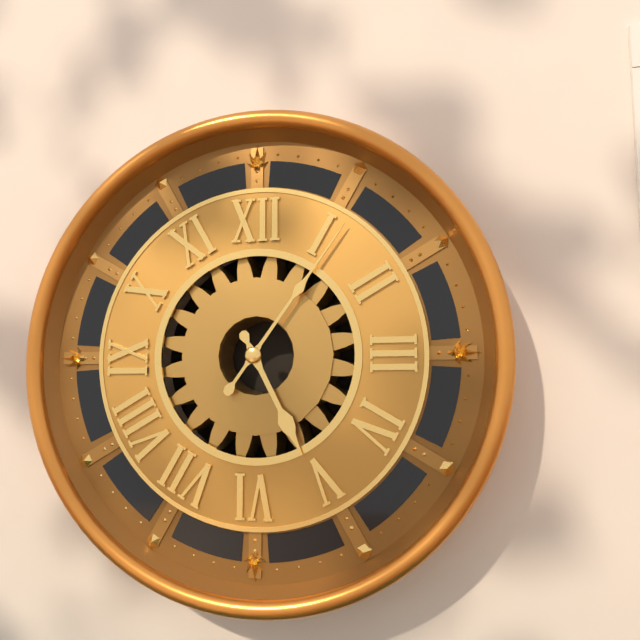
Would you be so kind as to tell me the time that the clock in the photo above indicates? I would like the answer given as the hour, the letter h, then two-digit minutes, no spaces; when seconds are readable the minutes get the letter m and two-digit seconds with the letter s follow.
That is 5h06
